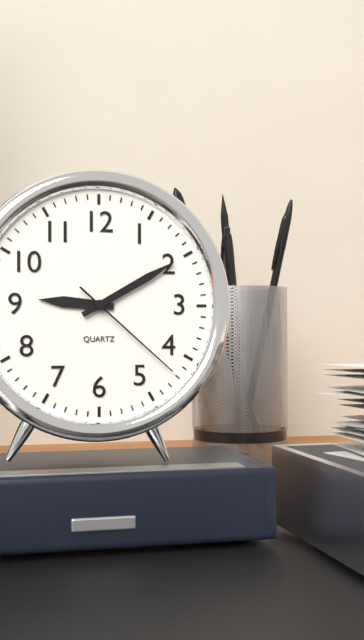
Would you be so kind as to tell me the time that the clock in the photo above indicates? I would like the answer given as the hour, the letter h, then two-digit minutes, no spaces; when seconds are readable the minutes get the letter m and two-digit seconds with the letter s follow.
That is 9h10m22s
